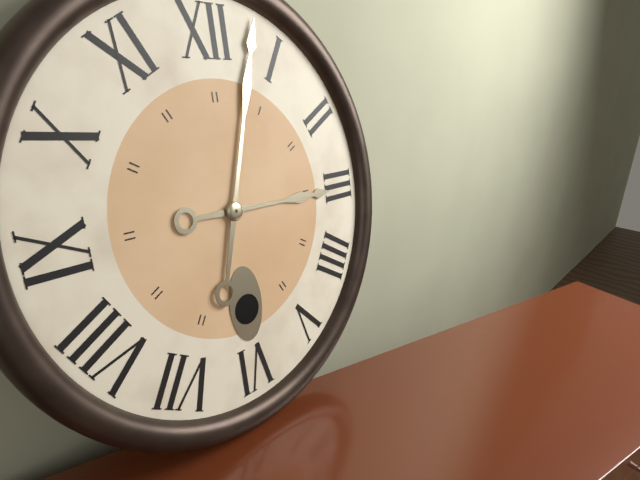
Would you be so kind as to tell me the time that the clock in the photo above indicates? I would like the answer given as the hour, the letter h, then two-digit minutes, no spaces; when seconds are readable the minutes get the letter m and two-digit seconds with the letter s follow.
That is 3h03
